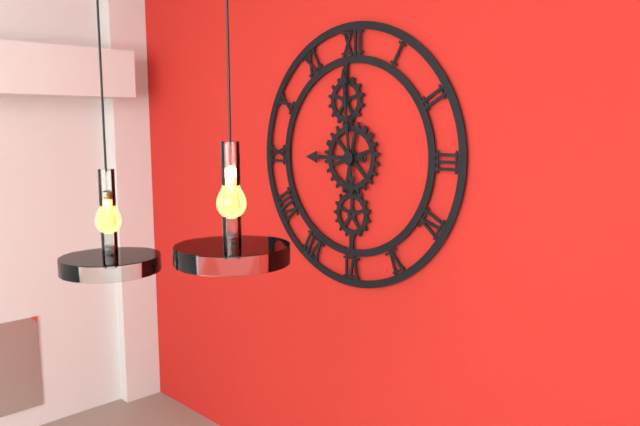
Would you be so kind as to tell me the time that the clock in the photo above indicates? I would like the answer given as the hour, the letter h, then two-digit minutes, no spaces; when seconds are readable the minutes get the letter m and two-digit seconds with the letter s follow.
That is 8h59
